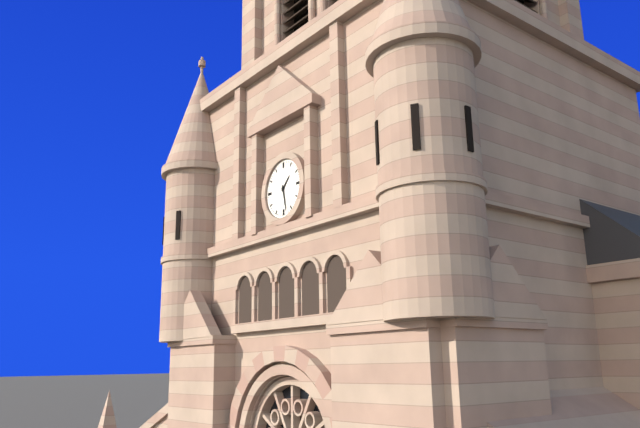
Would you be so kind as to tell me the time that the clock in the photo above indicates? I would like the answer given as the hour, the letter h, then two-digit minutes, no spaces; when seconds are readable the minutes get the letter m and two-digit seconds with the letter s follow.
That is 1h28
